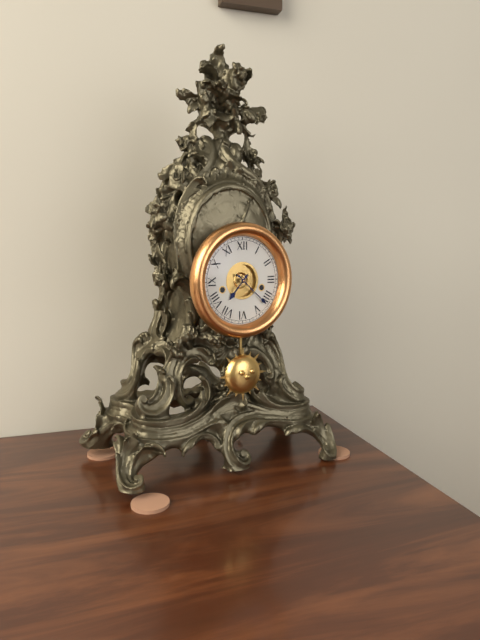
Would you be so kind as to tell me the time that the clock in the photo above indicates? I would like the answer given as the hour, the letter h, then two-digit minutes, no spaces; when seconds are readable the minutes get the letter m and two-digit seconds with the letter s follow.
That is 7h22
